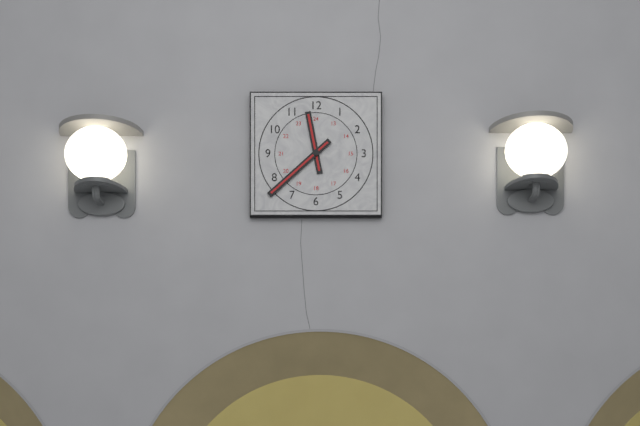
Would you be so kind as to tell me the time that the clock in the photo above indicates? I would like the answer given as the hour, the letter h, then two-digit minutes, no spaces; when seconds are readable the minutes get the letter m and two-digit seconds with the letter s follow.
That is 11h38
